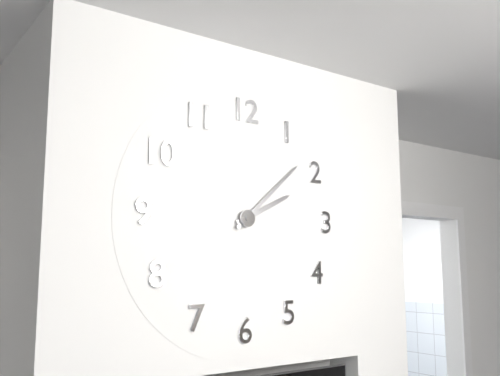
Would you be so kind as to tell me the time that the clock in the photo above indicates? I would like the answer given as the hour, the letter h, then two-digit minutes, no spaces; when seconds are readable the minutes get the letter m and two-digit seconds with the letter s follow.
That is 2h08
